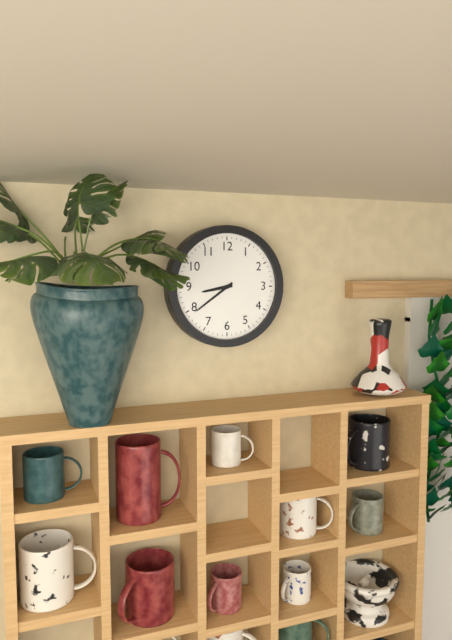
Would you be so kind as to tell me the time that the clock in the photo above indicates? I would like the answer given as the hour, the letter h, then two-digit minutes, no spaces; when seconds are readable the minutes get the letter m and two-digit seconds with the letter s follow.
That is 8h39
